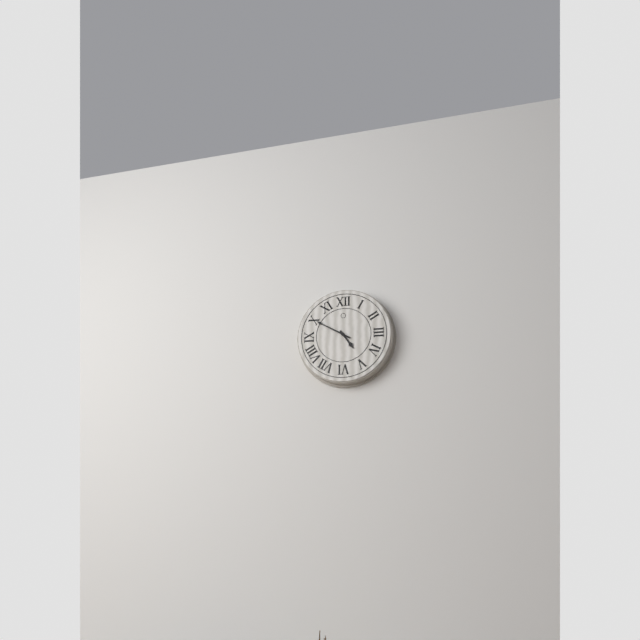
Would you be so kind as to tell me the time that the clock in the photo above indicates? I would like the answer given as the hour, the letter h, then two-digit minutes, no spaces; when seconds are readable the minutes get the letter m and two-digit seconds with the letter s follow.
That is 4h50
